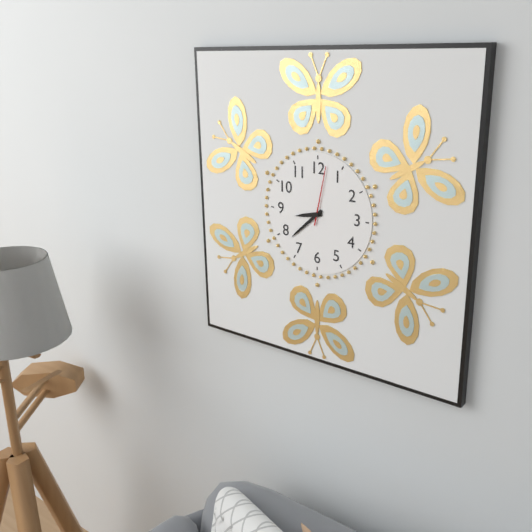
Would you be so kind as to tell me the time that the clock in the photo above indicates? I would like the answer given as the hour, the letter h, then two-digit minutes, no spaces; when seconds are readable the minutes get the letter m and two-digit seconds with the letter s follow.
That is 8h38m02s
